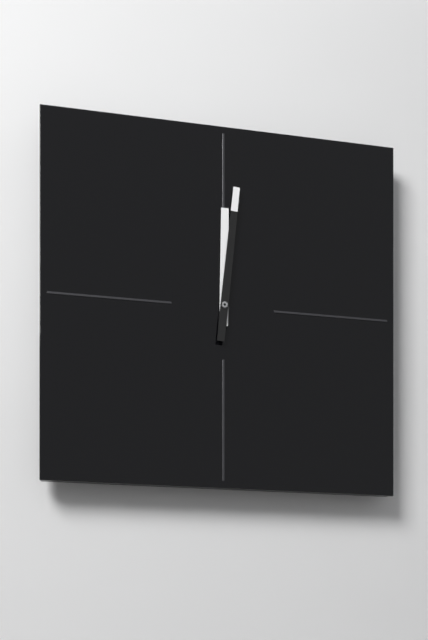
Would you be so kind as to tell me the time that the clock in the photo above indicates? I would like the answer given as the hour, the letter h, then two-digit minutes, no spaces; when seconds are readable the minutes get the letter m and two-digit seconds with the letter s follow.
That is 12h01
